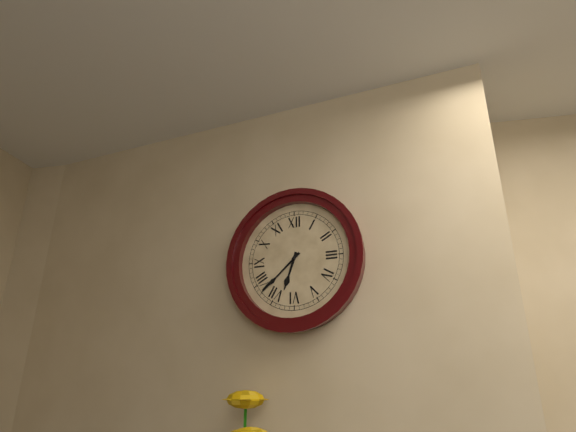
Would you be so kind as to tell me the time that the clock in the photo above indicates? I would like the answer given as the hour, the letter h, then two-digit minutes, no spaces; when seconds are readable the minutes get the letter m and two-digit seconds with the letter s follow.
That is 6h38
